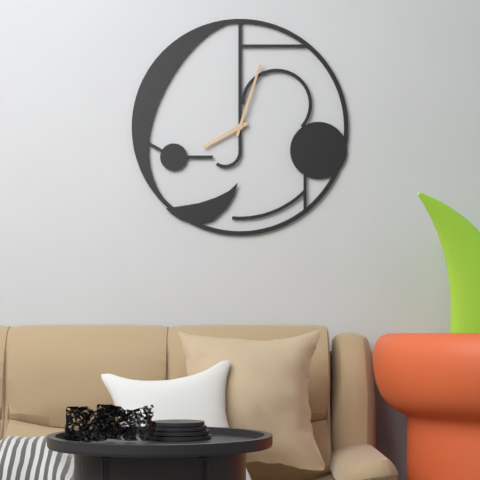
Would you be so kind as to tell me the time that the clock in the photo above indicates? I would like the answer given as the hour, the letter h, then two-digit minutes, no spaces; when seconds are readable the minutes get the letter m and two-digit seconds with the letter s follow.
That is 8h03
